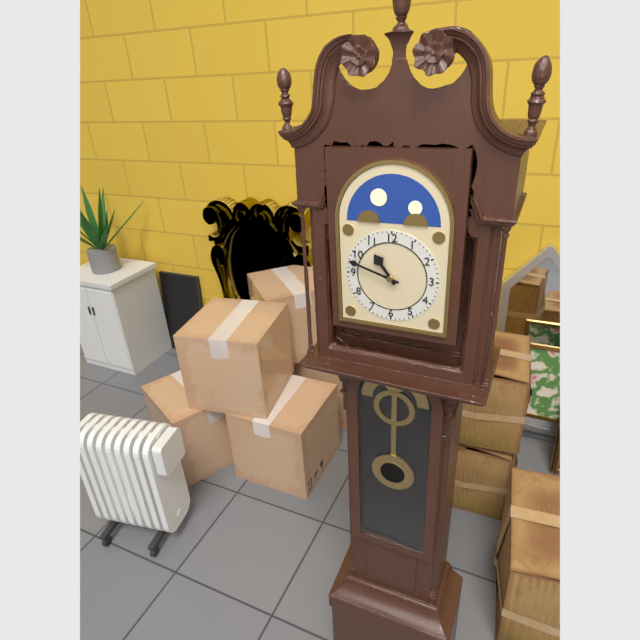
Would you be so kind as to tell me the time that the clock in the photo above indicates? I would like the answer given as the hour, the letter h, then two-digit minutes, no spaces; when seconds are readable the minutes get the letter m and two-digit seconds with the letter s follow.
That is 10h48
